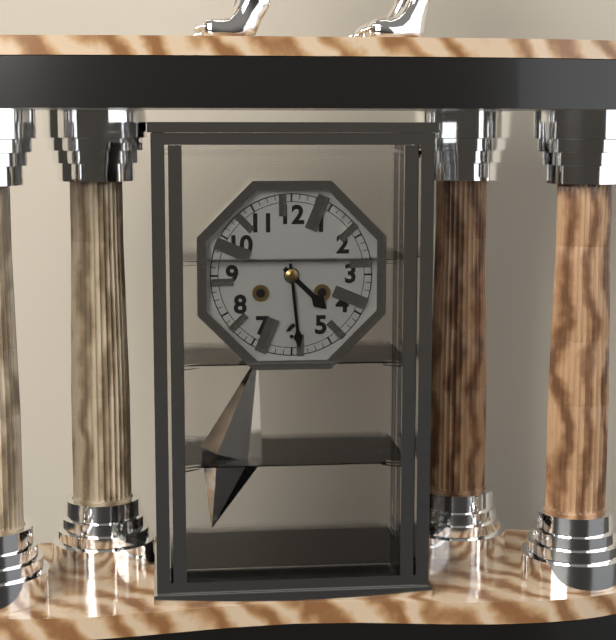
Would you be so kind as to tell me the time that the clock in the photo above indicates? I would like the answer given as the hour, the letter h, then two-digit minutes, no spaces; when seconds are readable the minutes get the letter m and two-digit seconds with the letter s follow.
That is 4h29
